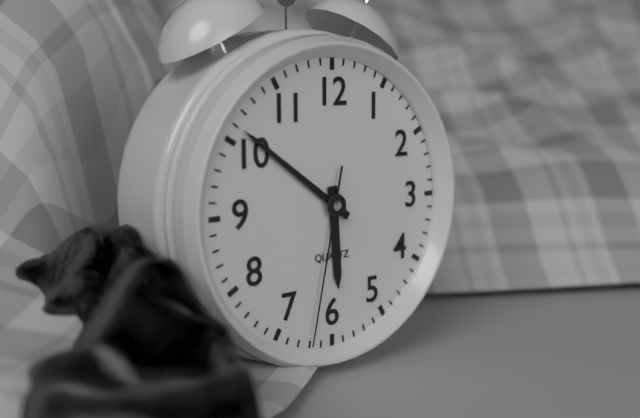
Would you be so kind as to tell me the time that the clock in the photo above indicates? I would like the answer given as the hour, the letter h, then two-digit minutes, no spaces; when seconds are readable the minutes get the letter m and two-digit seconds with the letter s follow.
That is 5h51m32s
